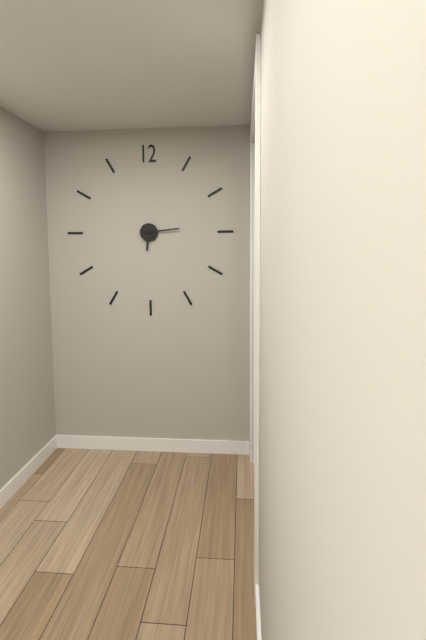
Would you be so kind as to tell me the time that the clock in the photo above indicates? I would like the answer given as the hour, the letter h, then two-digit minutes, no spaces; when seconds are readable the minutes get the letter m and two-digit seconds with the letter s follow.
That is 6h14
